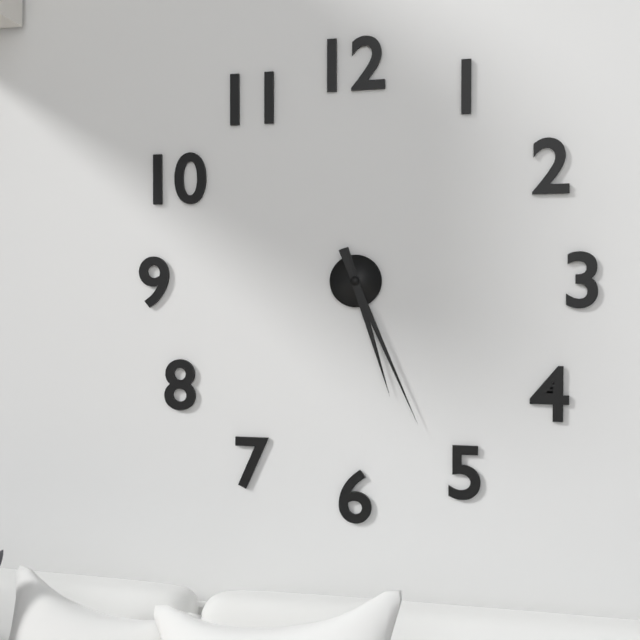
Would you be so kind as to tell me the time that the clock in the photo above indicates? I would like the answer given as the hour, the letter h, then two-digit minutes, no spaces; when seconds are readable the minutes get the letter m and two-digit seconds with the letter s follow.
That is 5h26
